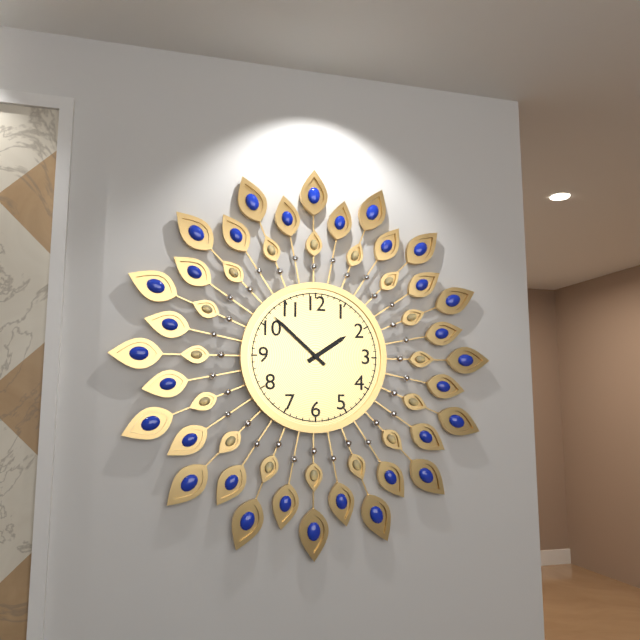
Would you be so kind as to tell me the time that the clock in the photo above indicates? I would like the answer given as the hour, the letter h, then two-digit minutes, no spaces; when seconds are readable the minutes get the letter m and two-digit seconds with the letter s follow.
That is 1h52
